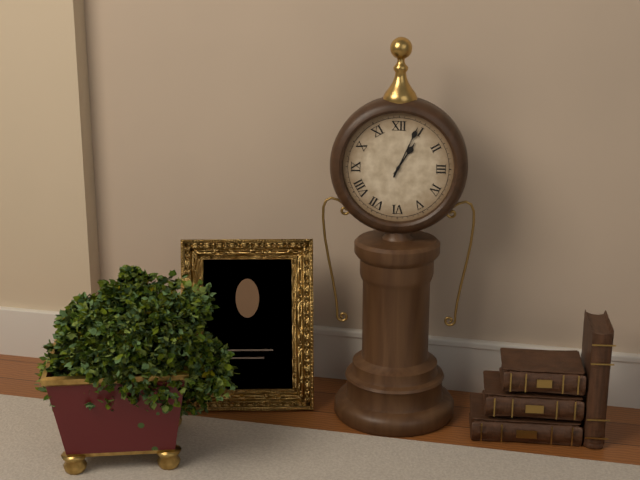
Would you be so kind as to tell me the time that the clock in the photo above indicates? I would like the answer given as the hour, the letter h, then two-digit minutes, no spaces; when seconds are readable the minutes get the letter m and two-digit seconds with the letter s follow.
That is 1h04
